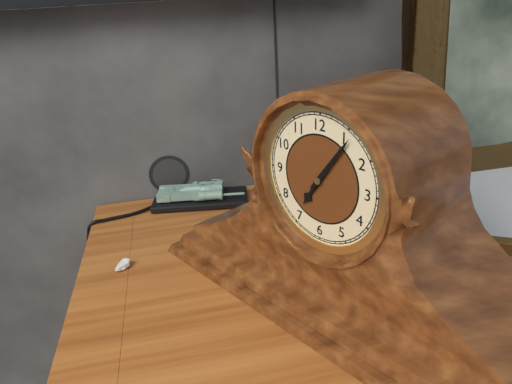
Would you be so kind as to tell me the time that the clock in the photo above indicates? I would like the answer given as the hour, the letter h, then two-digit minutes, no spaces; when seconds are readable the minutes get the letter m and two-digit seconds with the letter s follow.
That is 7h06
